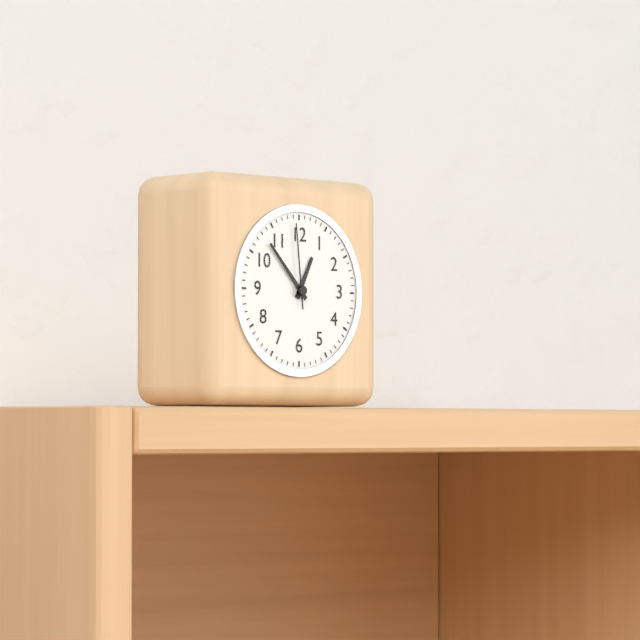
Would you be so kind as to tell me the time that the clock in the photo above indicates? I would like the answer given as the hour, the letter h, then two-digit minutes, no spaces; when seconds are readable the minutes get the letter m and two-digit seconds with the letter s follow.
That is 12h53m59s
